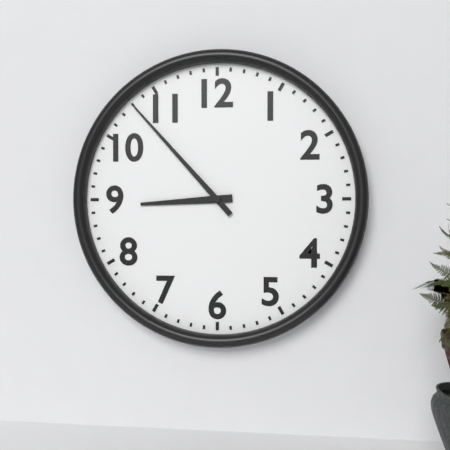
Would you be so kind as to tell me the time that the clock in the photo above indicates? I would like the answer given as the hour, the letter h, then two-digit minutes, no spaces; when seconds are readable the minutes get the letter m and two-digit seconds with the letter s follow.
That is 8h53
